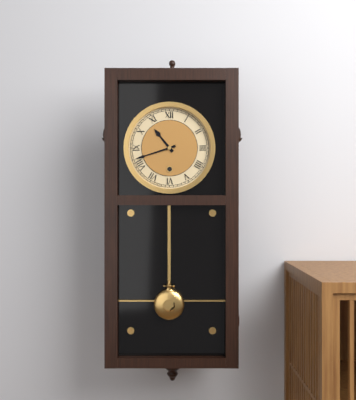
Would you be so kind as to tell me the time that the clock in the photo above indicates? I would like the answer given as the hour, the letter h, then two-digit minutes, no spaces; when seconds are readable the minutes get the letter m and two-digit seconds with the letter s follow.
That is 10h42
